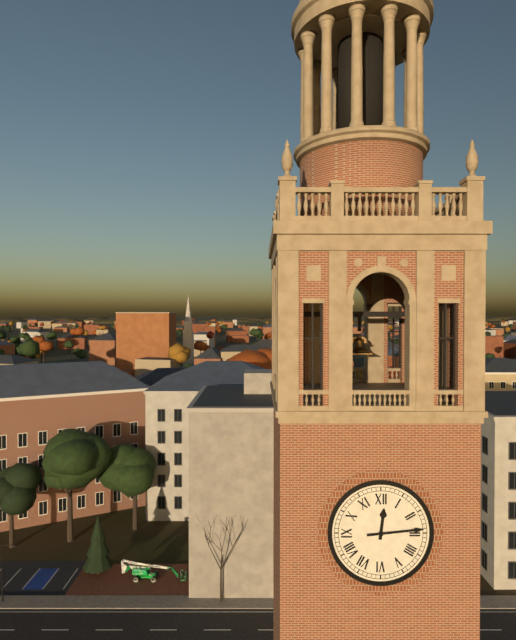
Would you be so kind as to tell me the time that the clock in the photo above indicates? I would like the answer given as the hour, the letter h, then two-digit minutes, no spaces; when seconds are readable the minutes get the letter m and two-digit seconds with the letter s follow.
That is 12h14
